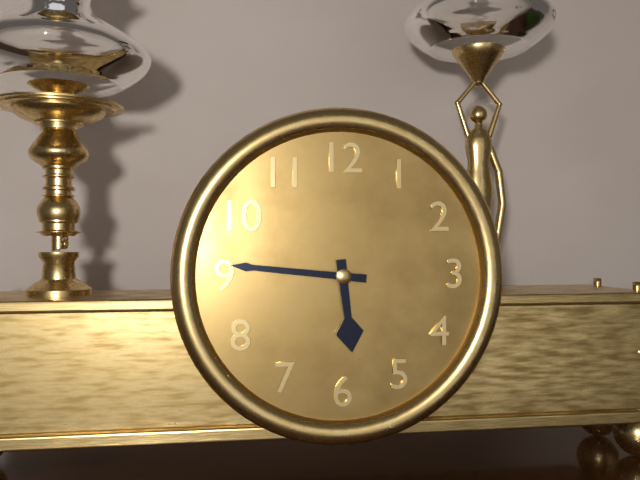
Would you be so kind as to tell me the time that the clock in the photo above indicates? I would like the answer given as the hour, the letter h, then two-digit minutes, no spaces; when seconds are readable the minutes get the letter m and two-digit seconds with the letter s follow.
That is 5h46
